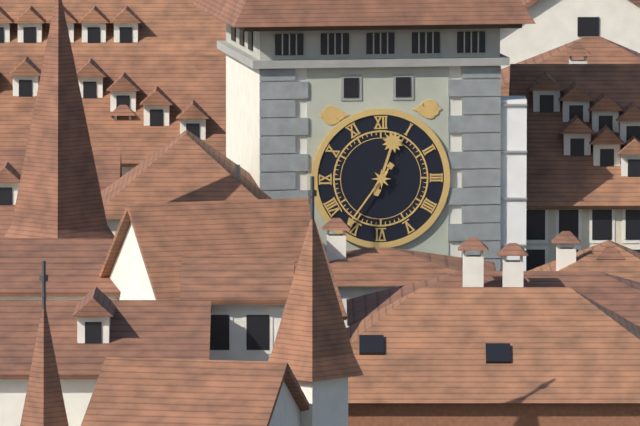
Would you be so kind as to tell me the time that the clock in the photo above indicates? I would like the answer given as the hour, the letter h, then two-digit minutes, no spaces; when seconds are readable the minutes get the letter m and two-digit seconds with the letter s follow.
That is 12h36
